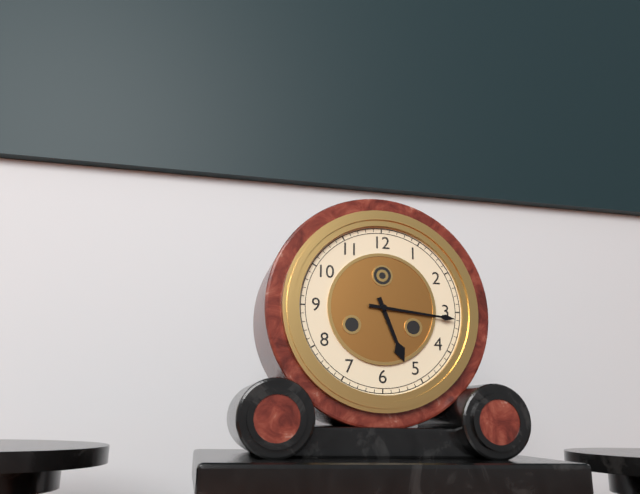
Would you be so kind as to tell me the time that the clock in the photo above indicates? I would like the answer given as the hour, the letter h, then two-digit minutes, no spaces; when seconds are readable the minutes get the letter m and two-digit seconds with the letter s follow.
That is 5h16
